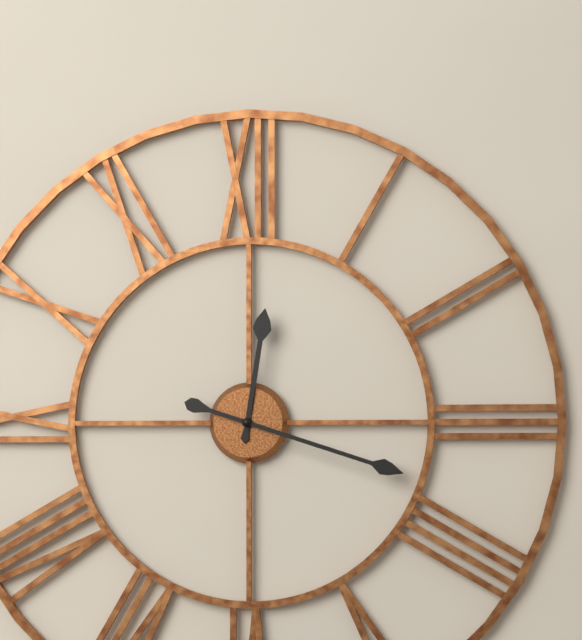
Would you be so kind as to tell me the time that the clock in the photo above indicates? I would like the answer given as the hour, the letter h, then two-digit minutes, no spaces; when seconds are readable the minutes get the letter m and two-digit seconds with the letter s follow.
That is 12h18
